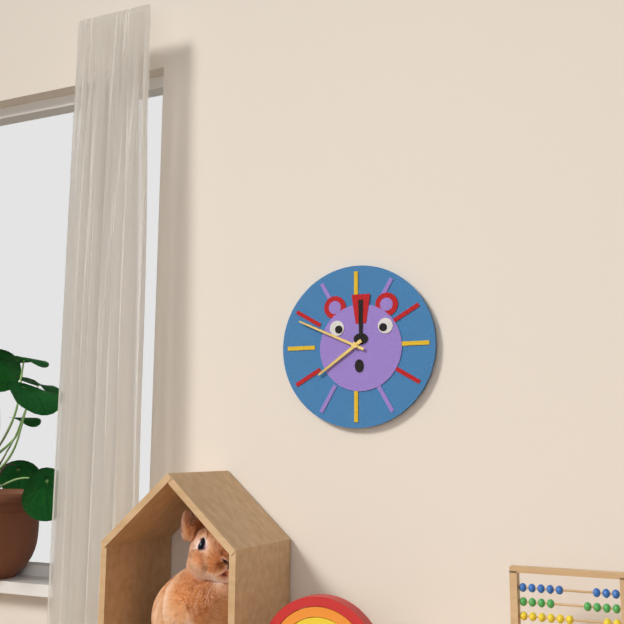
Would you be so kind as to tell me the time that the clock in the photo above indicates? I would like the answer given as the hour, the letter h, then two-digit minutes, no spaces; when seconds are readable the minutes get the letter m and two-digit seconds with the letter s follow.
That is 7h49
